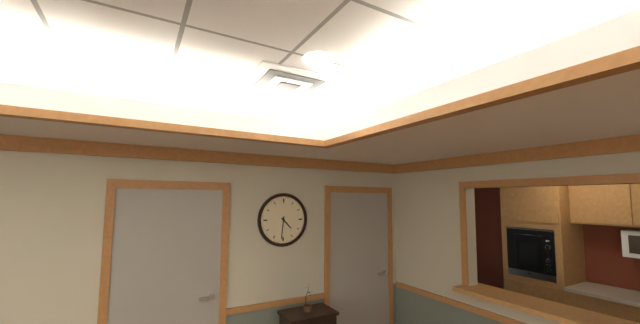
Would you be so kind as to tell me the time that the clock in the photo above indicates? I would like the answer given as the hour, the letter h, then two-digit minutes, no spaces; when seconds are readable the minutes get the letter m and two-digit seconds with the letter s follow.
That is 4h31
